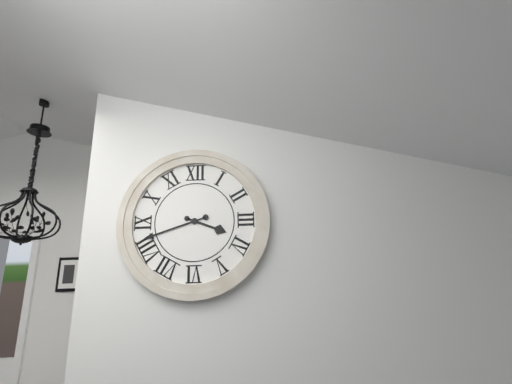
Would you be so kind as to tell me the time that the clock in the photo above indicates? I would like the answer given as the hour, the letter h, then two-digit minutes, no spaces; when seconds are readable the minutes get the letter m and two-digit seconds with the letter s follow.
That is 3h42
